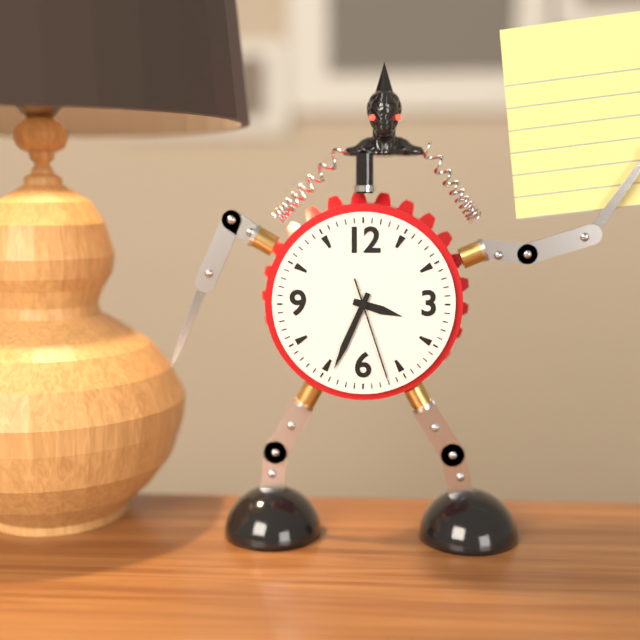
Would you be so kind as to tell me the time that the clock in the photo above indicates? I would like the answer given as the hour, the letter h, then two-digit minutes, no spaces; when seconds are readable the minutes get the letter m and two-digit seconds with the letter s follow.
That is 3h34m27s
